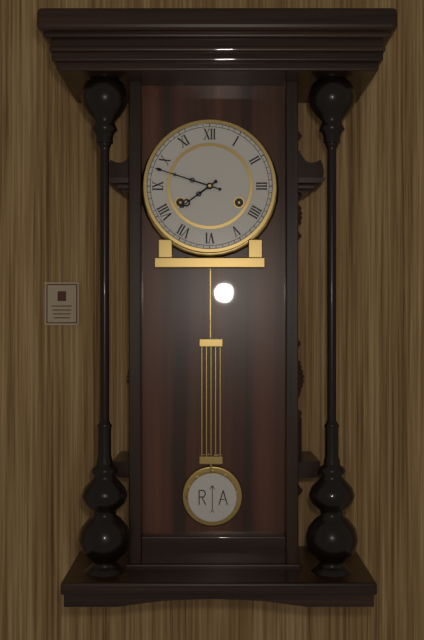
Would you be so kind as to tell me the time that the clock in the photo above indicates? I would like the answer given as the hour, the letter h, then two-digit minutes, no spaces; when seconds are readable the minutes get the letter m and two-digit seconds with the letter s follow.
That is 7h48
